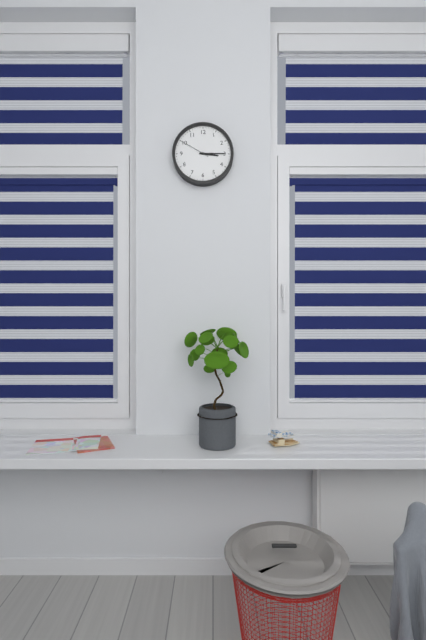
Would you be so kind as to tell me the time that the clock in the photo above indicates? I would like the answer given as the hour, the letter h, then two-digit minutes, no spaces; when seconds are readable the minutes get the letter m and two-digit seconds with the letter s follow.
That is 3h15
